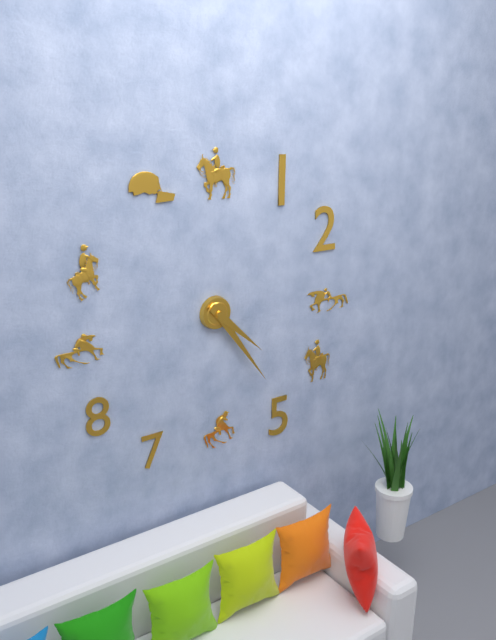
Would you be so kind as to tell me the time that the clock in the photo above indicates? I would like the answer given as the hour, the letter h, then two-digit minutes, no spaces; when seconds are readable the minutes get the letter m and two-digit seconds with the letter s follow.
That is 4h24
